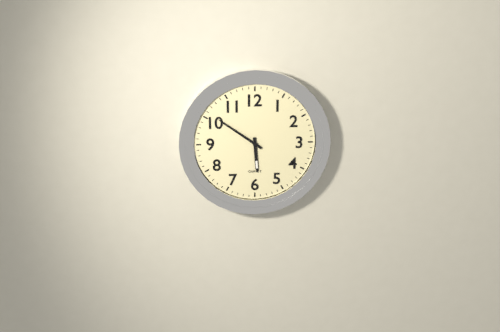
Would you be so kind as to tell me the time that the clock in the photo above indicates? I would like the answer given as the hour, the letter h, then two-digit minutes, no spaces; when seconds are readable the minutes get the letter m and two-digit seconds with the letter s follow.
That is 5h51
